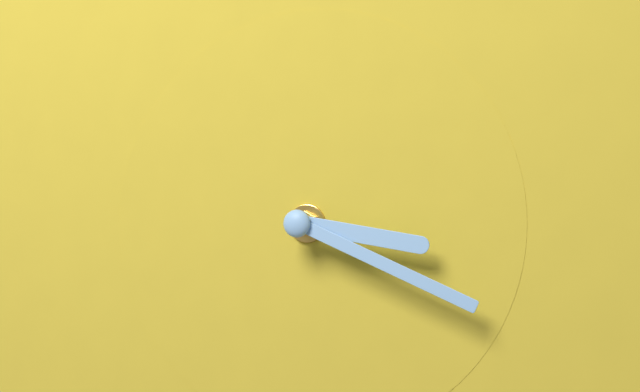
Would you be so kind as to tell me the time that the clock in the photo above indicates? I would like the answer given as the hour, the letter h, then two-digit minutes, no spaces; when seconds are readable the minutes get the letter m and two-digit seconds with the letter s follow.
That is 3h19
